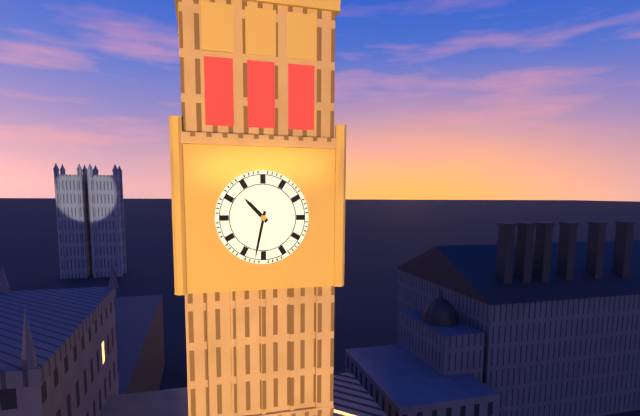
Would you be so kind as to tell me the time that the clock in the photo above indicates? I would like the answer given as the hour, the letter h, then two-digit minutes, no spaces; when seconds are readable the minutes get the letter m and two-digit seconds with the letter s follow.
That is 10h32
